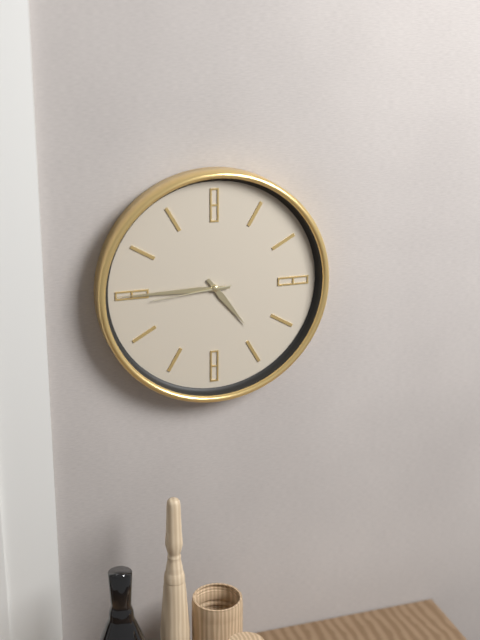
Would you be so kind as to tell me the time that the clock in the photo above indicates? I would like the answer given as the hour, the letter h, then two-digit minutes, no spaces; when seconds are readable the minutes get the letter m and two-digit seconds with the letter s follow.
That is 4h45m44s
